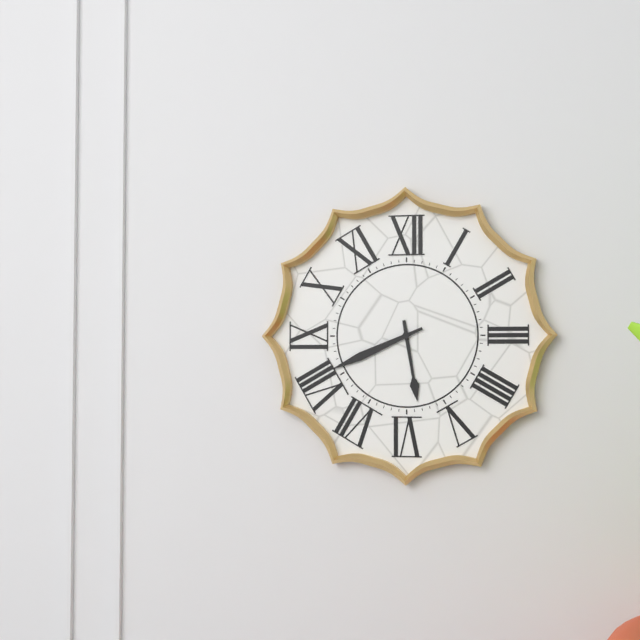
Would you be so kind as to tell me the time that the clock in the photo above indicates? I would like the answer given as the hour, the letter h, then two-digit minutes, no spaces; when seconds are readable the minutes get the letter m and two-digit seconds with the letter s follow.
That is 5h41
